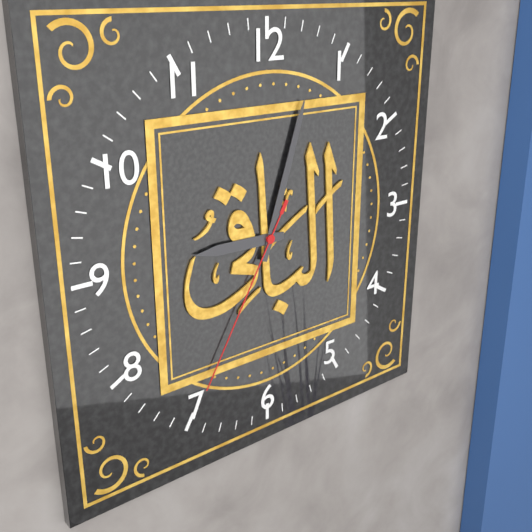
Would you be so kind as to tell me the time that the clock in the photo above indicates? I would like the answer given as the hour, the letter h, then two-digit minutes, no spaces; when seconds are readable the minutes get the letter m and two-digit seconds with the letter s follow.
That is 9h03m35s
